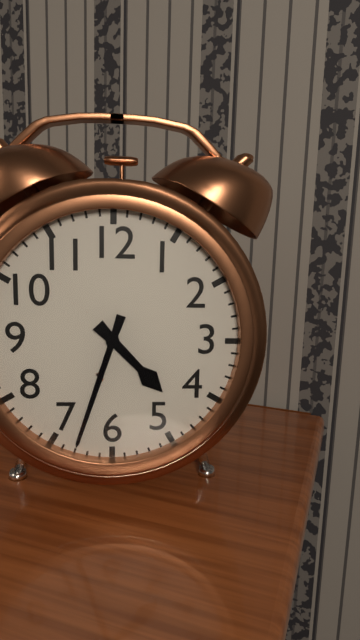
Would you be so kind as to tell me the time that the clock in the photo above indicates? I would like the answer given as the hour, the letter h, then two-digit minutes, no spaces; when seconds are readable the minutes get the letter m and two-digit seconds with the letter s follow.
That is 4h33
